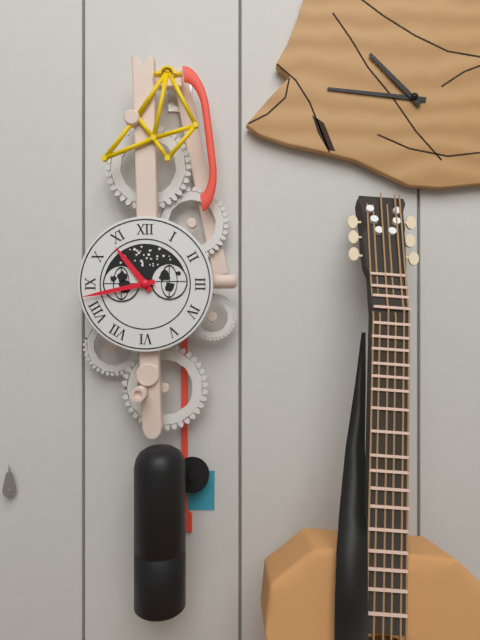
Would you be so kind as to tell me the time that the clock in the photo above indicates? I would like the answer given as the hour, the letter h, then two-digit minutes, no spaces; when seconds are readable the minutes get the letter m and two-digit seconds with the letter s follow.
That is 10h43
